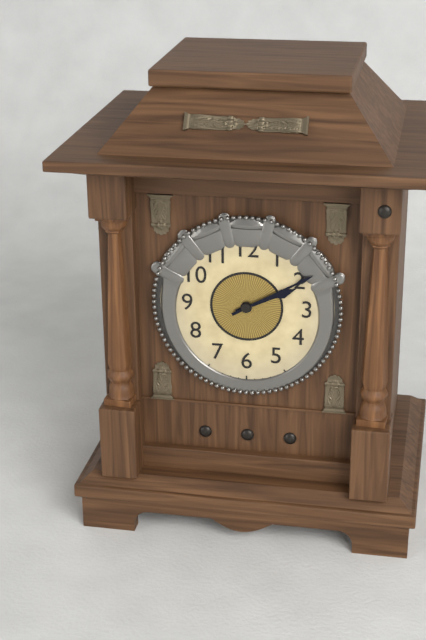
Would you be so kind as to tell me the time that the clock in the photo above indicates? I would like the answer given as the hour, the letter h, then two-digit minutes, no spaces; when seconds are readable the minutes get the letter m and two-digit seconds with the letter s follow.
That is 2h10
